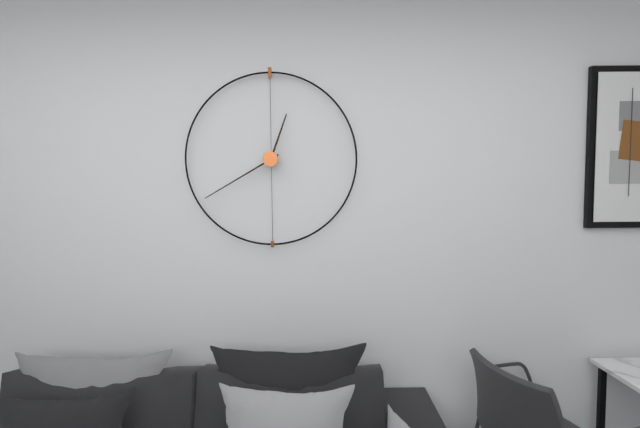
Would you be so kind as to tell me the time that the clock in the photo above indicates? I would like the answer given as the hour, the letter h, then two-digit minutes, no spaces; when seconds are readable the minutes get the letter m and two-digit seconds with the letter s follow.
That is 12h40
